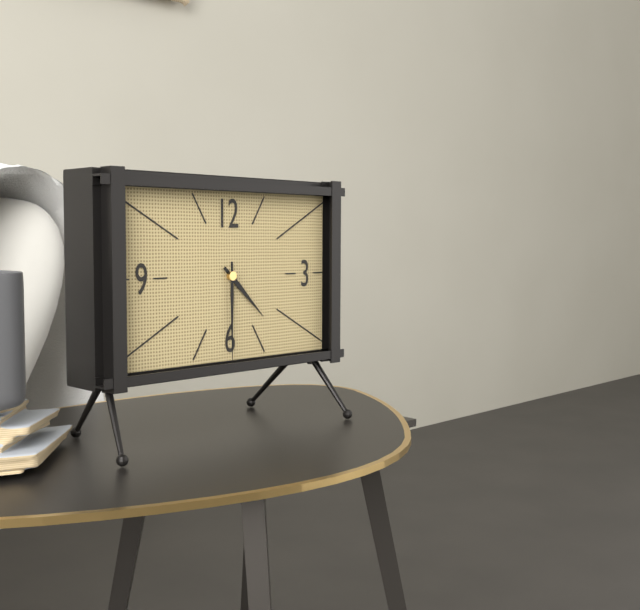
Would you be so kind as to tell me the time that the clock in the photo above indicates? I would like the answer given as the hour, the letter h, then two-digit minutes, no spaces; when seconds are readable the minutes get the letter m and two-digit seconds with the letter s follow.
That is 4h30
